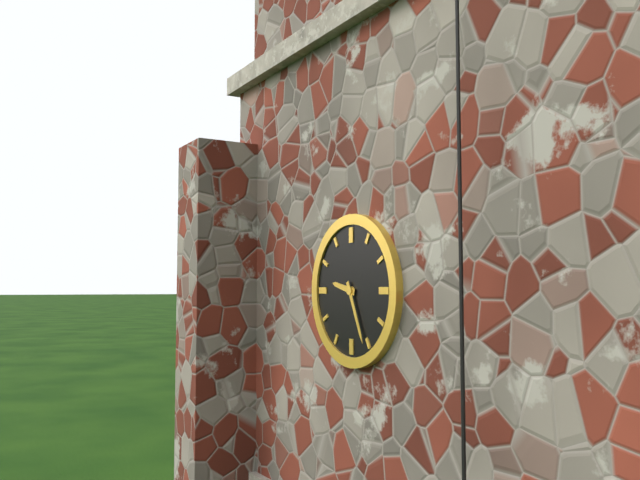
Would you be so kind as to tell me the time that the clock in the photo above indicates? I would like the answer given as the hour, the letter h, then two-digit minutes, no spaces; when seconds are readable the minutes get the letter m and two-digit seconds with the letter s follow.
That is 9h26
